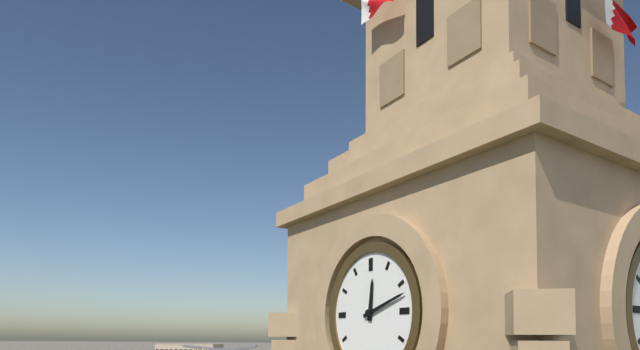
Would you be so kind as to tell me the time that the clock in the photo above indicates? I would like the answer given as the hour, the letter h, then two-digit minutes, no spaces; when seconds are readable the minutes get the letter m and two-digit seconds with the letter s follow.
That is 12h12
